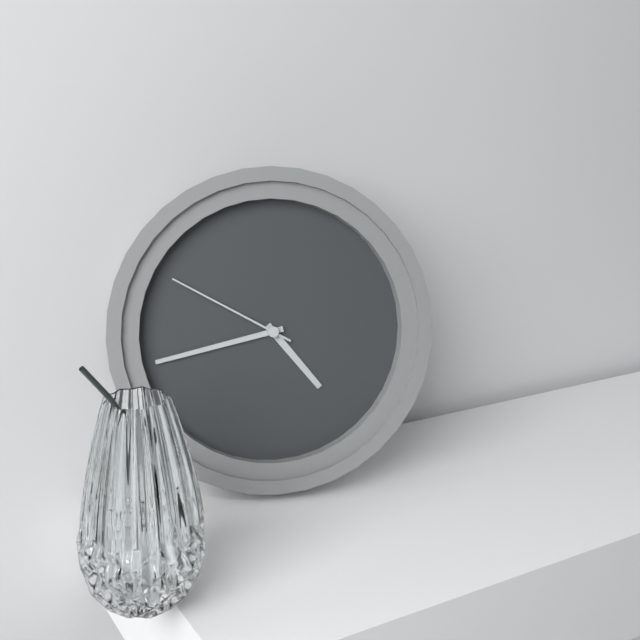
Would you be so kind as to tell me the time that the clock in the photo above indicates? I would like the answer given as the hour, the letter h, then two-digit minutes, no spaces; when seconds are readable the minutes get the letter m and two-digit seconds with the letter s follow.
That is 4h43m50s
